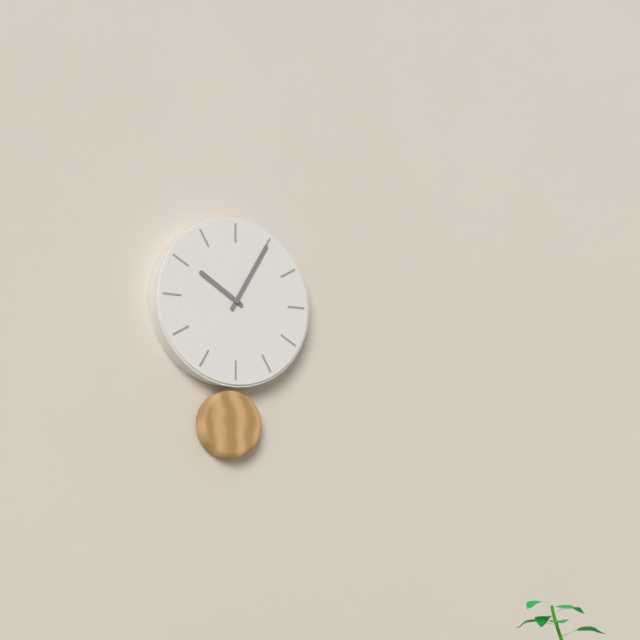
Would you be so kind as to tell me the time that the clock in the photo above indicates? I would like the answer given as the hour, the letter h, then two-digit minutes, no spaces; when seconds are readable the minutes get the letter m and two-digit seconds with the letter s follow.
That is 10h05
